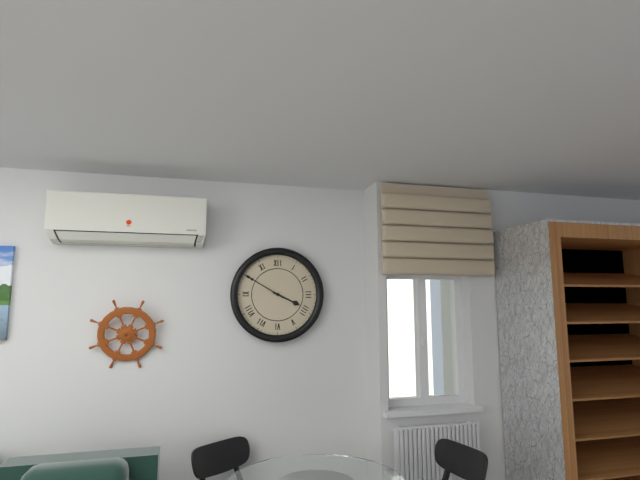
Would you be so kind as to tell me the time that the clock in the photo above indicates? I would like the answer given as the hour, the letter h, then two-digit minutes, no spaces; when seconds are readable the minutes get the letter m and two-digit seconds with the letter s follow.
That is 3h50
